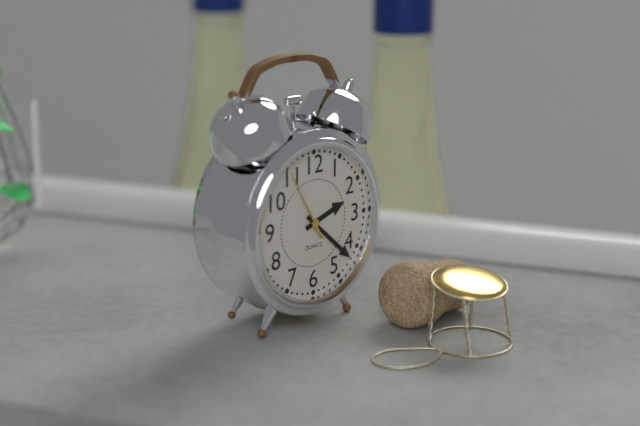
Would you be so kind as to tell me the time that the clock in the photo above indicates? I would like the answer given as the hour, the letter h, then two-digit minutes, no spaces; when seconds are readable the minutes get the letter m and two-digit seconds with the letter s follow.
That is 2h22m55s
